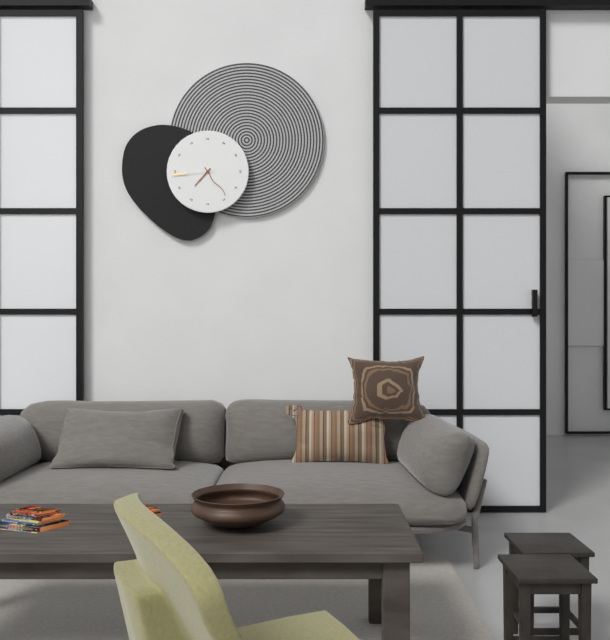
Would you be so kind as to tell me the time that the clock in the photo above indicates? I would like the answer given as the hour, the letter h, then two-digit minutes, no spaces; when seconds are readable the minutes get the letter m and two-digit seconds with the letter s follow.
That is 7h24
